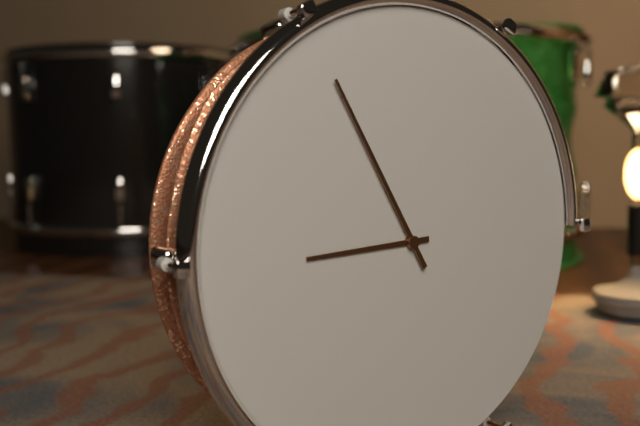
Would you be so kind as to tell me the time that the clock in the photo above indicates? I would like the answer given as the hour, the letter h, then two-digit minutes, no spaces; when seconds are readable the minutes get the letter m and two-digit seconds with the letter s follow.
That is 8h55
